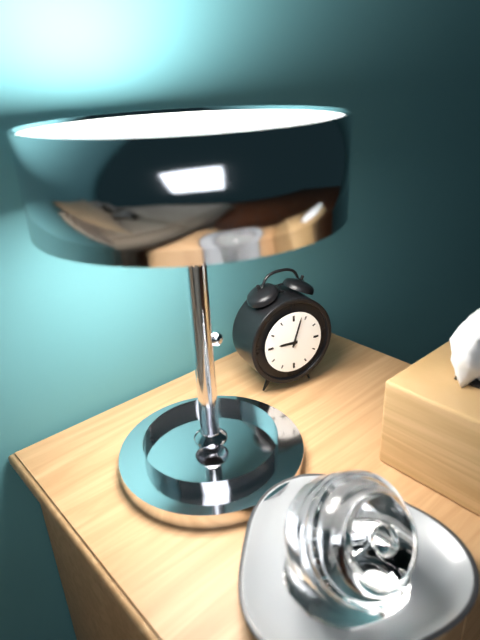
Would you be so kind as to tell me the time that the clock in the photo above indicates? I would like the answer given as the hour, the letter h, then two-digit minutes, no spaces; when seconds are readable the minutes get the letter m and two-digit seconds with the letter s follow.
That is 9h03
